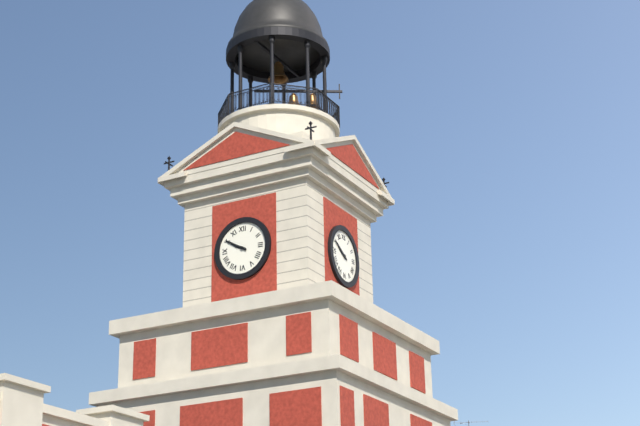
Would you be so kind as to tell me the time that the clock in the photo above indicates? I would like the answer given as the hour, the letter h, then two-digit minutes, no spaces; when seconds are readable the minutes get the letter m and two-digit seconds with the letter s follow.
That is 9h50
